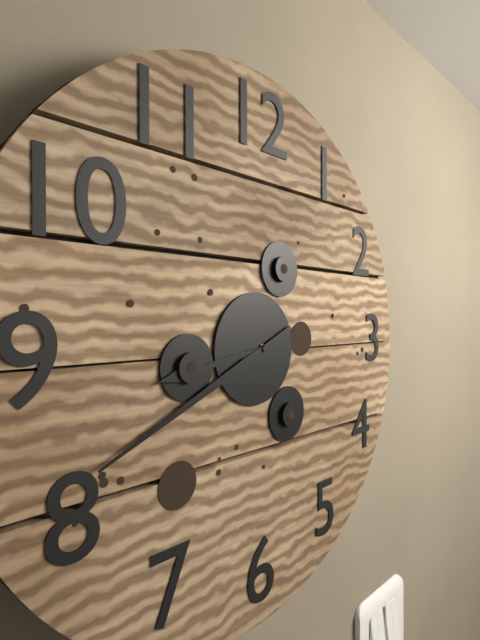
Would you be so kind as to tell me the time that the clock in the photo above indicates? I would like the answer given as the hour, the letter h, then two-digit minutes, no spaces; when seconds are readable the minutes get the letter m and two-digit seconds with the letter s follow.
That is 8h41
